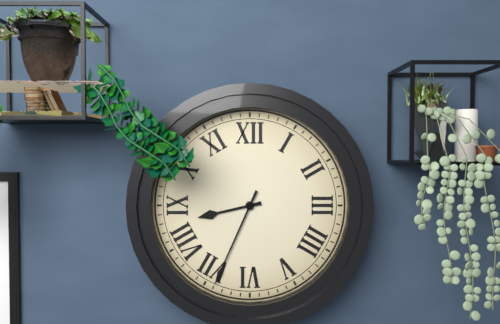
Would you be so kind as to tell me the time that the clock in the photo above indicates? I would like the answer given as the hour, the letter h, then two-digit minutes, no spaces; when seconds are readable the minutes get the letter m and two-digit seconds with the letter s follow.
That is 8h34
